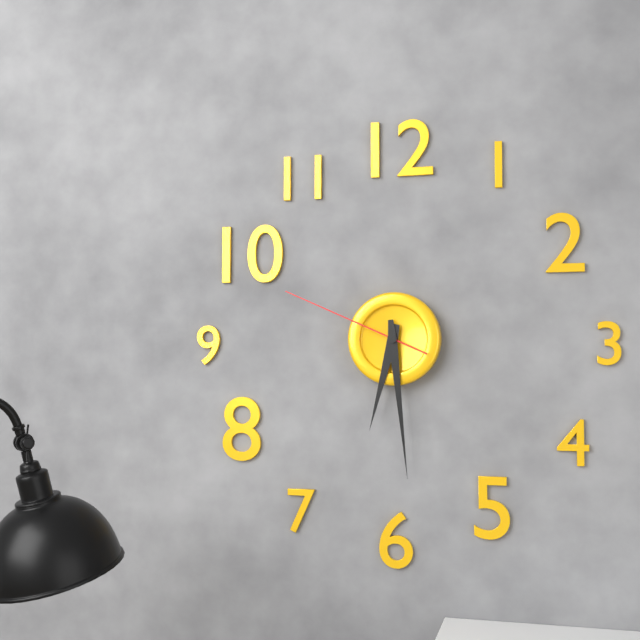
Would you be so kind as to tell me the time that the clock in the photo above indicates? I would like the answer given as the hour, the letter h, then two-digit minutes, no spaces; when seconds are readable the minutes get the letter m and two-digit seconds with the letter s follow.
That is 6h29m49s
